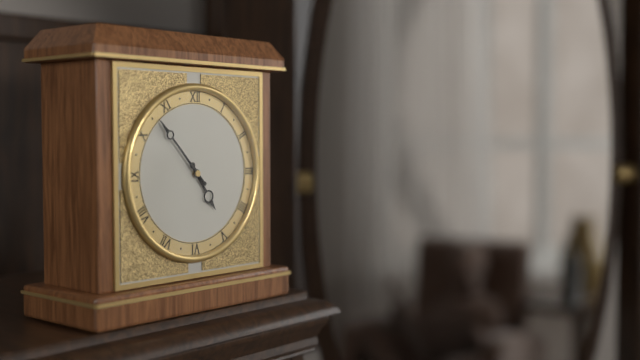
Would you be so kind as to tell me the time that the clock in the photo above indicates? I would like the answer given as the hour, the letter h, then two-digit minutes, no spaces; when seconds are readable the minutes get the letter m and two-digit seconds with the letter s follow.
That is 4h53
